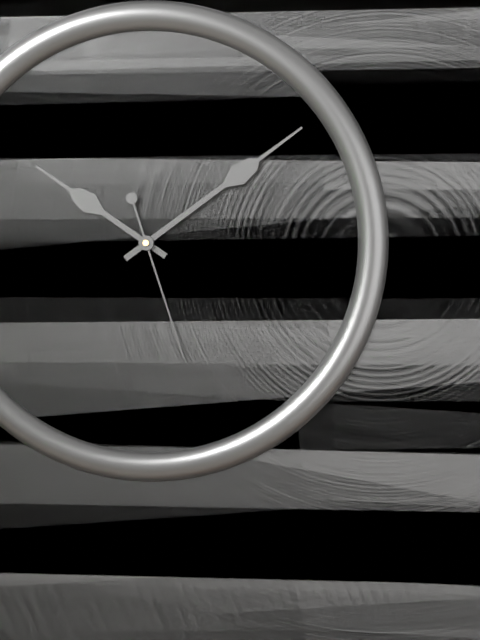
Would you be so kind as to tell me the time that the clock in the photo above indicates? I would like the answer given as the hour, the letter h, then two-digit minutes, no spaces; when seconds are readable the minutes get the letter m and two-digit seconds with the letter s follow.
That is 10h09m27s
